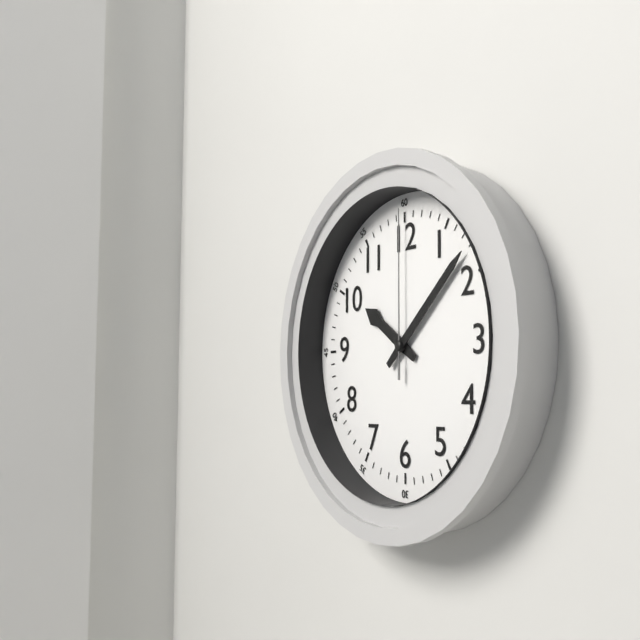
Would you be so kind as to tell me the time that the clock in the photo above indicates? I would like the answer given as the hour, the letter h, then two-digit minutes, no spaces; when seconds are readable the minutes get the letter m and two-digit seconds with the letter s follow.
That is 10h08m00s
